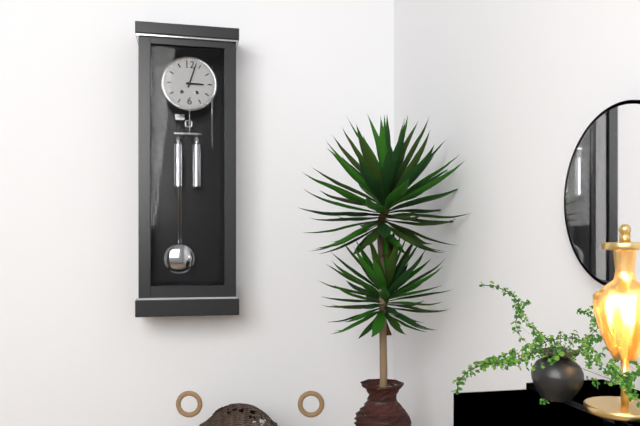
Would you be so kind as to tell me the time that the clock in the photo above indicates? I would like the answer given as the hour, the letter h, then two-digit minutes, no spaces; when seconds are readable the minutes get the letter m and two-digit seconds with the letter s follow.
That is 3h03
